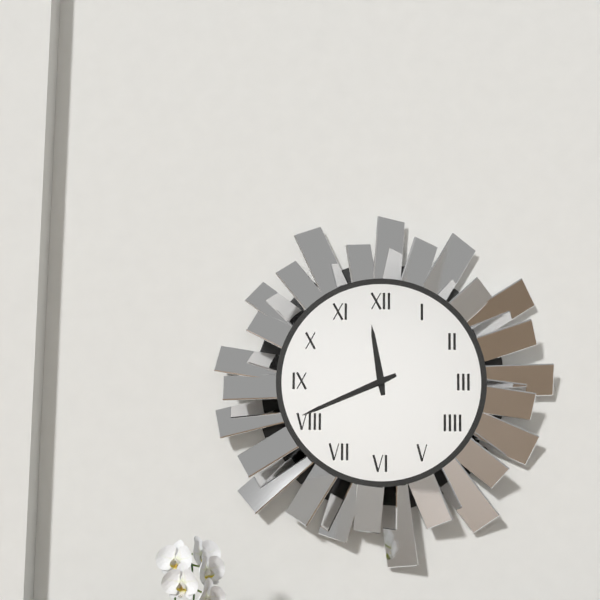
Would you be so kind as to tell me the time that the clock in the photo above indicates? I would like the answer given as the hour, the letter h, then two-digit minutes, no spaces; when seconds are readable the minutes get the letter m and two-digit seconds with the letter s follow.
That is 11h41
